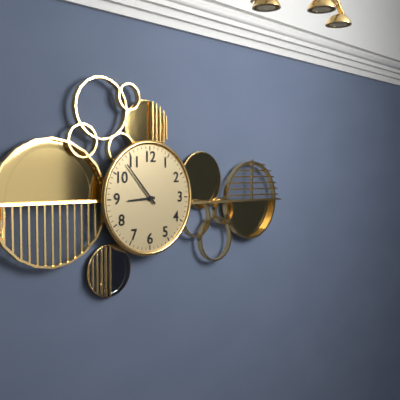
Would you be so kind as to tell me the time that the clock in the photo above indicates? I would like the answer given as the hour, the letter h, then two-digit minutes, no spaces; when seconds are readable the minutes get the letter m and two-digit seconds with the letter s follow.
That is 8h53
